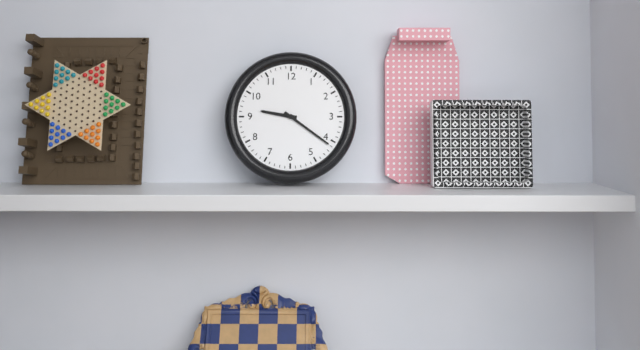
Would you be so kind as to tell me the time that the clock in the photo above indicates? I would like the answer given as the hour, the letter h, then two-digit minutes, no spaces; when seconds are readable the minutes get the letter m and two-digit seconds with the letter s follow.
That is 9h21
